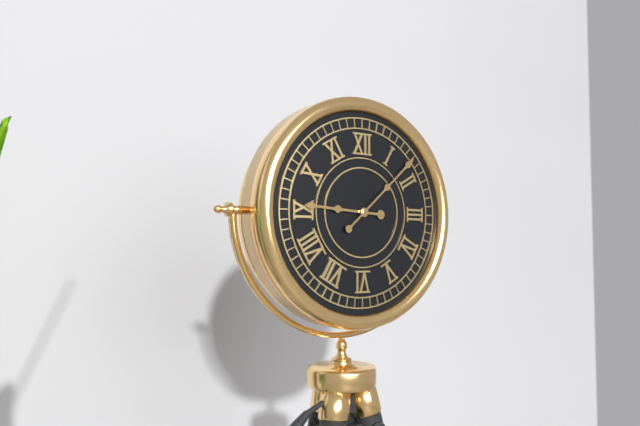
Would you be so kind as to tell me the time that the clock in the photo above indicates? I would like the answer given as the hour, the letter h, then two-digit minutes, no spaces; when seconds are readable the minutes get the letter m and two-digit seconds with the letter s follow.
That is 9h08
